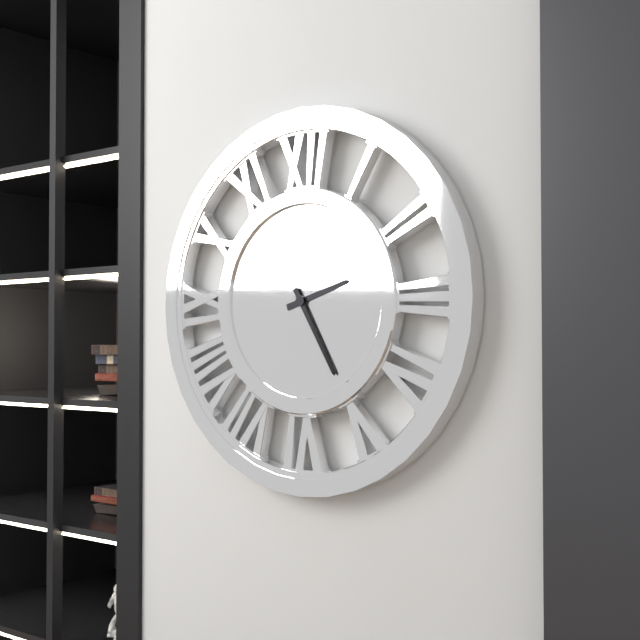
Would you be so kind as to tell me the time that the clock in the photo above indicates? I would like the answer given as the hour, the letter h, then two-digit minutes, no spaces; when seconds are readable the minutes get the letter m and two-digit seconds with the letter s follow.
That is 2h25
